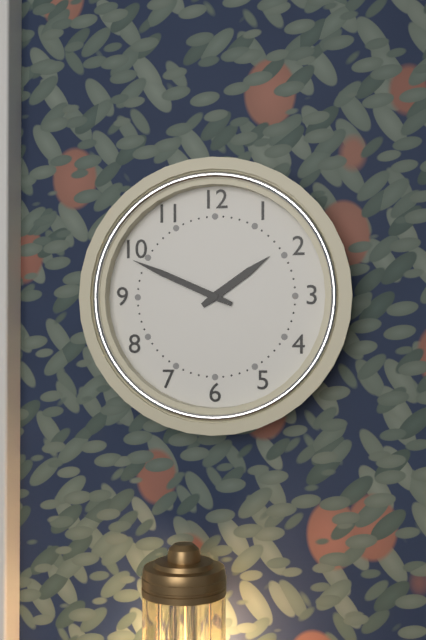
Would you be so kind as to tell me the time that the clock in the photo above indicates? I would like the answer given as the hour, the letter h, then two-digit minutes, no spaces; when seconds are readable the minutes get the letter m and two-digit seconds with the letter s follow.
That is 1h49
